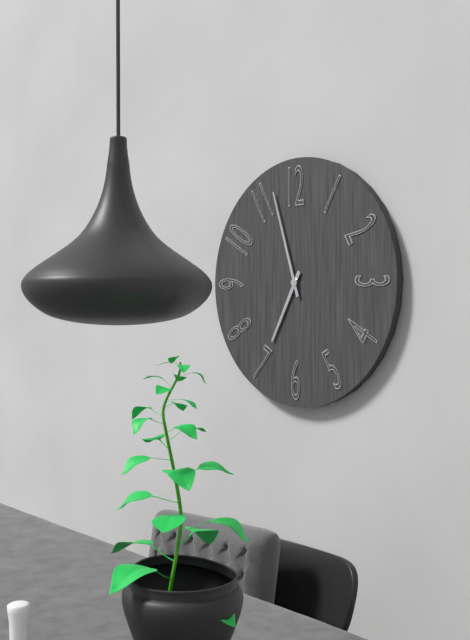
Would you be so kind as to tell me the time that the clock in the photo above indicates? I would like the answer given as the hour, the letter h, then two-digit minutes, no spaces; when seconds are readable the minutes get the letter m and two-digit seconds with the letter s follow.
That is 6h57
